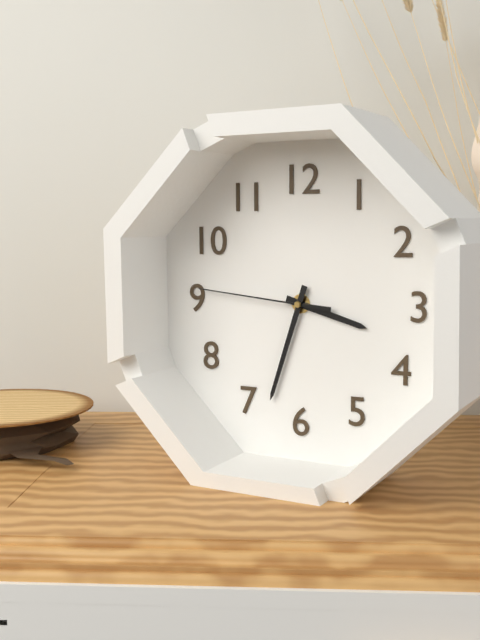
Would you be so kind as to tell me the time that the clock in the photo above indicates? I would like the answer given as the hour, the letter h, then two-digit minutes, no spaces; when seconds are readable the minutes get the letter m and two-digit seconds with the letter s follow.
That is 3h33m46s
